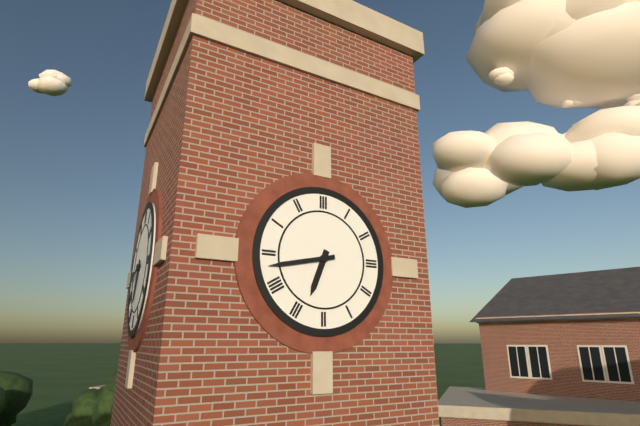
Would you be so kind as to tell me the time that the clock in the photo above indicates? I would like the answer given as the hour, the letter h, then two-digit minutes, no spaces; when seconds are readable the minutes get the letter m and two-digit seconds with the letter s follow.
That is 6h43
